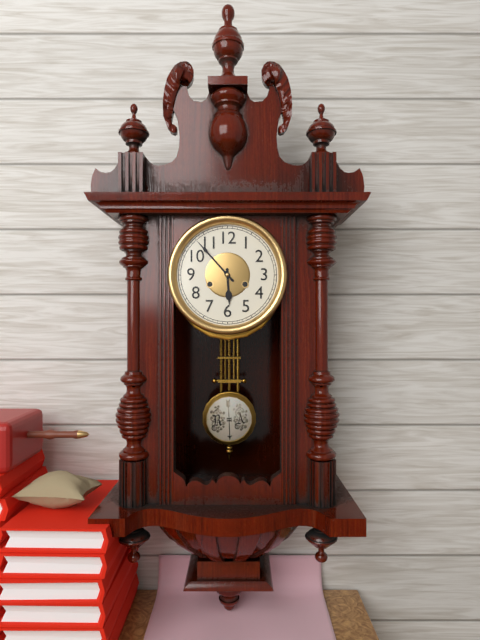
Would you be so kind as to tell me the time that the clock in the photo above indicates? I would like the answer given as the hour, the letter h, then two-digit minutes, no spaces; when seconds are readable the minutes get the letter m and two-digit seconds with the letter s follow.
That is 5h53
